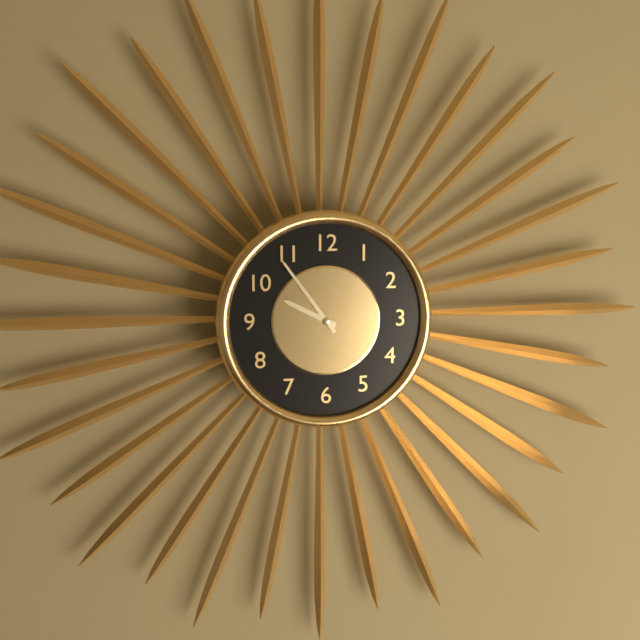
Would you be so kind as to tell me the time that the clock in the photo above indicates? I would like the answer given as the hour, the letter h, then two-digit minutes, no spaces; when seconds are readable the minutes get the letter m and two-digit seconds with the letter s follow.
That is 9h54
